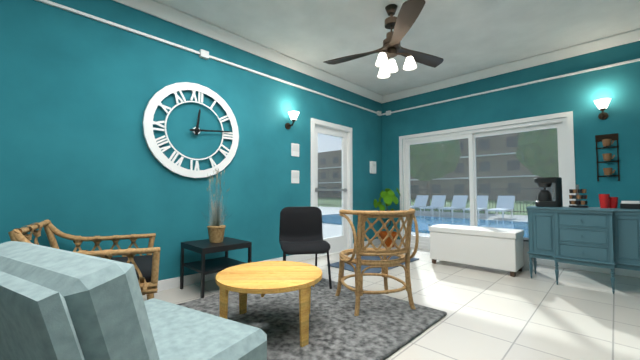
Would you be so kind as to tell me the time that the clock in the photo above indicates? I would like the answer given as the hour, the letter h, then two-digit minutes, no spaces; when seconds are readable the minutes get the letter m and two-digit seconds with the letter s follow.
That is 12h14
